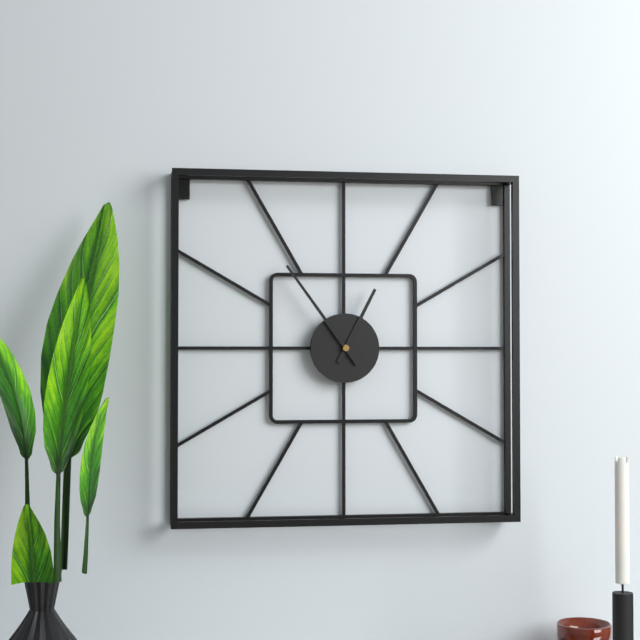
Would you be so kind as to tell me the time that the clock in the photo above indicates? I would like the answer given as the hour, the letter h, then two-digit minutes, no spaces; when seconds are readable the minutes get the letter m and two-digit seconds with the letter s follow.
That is 12h54
